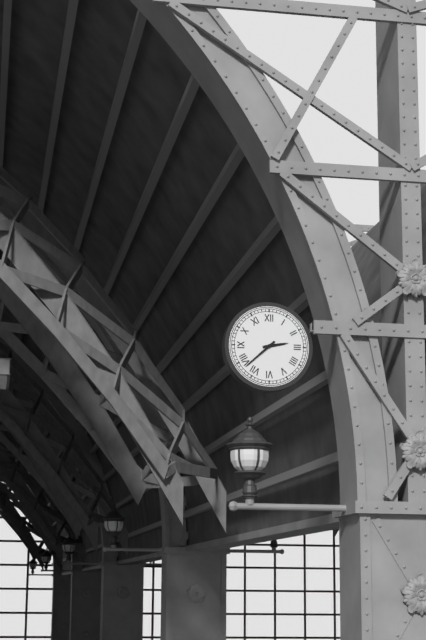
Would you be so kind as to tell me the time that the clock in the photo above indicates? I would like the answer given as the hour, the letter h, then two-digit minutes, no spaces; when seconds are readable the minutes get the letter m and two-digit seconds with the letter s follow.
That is 2h38
